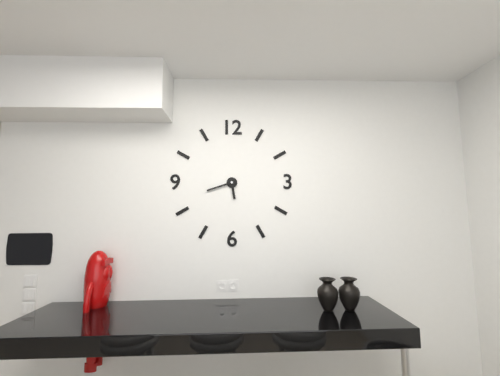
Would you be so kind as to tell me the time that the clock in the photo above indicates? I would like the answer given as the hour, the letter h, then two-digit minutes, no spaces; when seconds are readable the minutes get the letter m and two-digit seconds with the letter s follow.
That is 5h42
